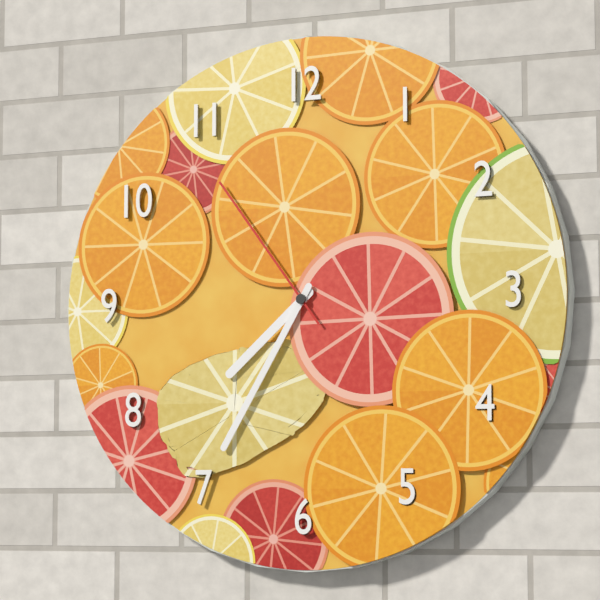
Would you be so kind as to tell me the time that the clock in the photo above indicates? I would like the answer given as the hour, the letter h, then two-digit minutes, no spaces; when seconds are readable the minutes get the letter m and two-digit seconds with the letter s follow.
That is 7h35m54s
